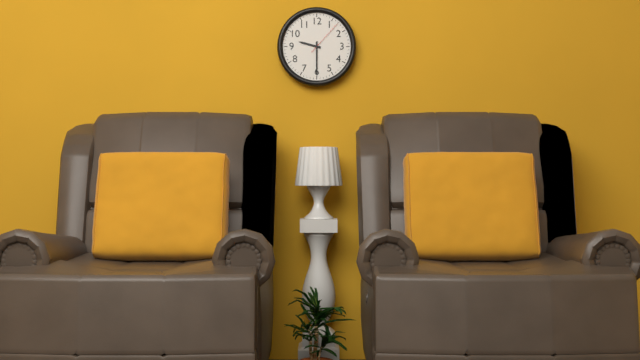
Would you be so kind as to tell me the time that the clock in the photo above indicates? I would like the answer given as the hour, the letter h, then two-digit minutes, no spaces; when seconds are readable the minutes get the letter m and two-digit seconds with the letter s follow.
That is 9h30
